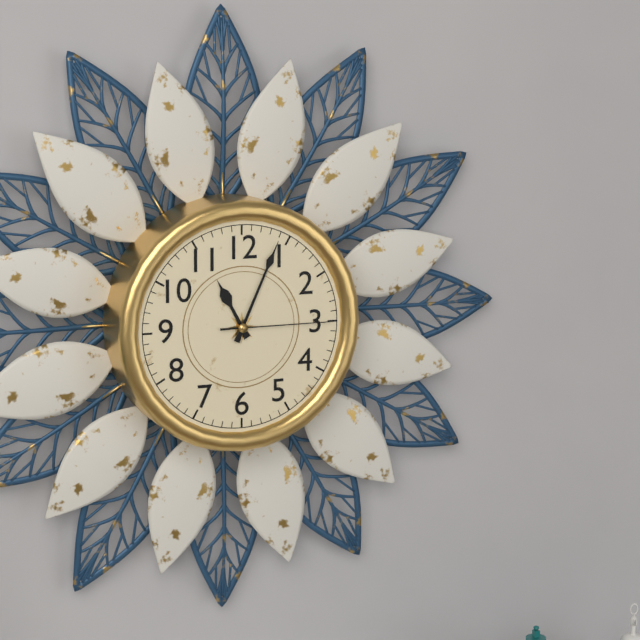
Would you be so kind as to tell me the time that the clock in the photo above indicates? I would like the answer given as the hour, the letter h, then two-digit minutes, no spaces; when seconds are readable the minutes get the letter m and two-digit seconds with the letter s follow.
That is 11h04m15s
